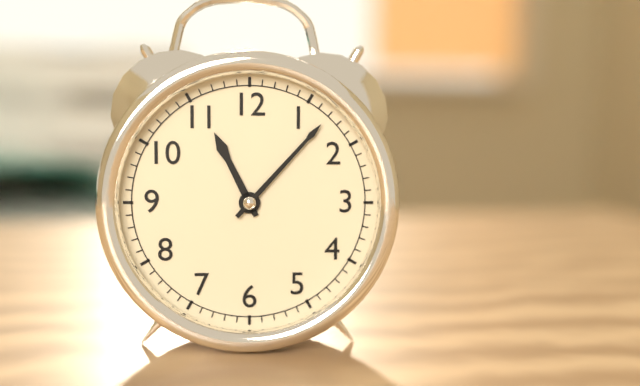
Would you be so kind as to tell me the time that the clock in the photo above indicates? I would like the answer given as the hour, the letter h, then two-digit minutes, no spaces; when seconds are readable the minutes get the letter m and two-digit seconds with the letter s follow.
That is 11h07
